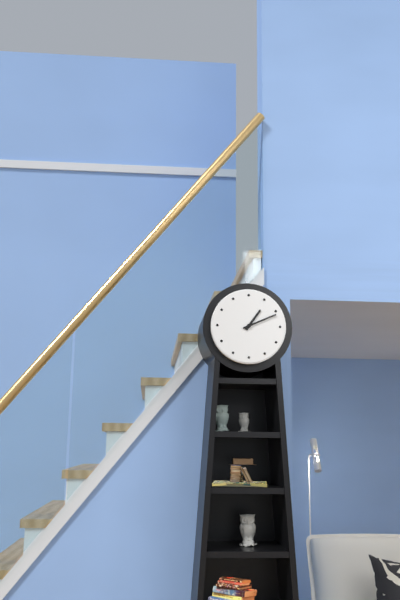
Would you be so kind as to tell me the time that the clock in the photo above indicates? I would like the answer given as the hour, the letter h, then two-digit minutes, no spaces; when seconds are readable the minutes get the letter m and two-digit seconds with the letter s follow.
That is 1h11
